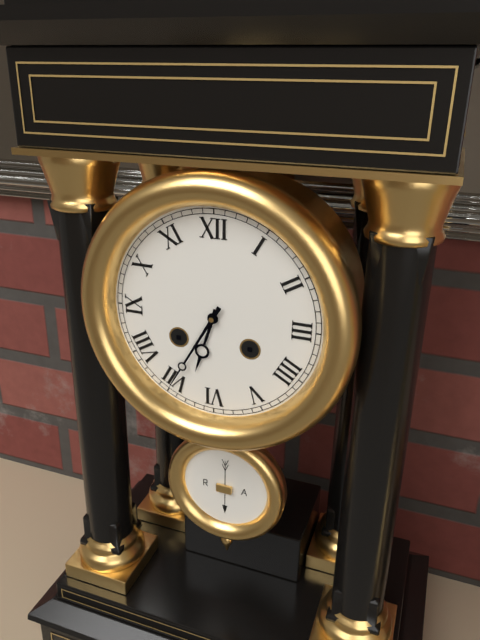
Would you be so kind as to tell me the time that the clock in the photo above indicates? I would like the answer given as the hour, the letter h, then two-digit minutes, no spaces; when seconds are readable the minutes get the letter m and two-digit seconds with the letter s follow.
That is 6h35
